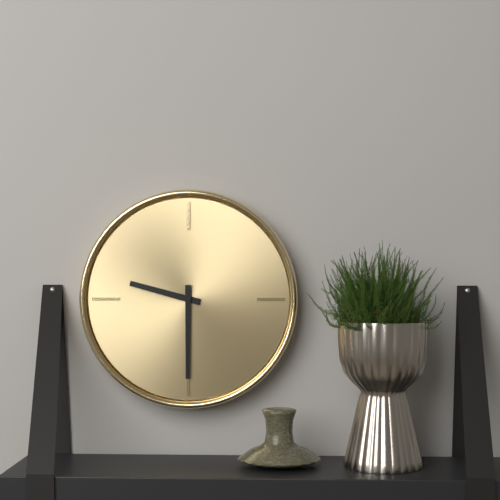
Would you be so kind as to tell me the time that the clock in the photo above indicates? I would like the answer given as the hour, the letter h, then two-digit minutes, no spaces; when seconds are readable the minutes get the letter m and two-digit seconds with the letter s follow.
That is 9h30
